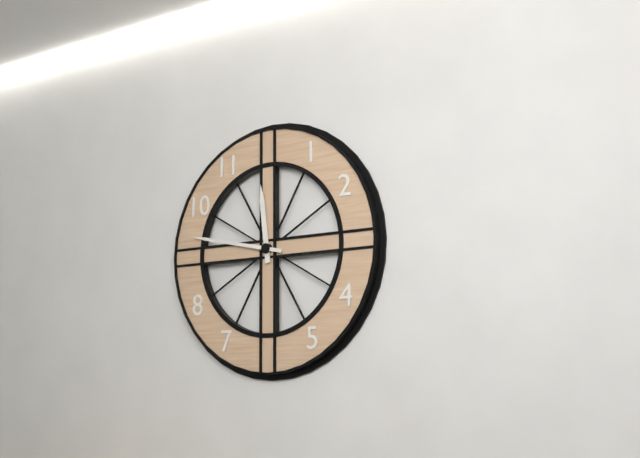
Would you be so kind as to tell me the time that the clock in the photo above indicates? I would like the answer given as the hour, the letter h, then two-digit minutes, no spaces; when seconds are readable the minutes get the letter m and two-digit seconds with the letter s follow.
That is 11h47
